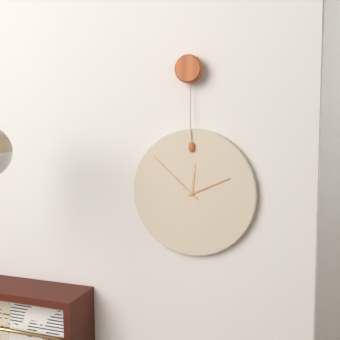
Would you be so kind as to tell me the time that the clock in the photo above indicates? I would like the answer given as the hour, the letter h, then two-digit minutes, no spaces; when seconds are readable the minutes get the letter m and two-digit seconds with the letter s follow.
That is 12h11m52s
